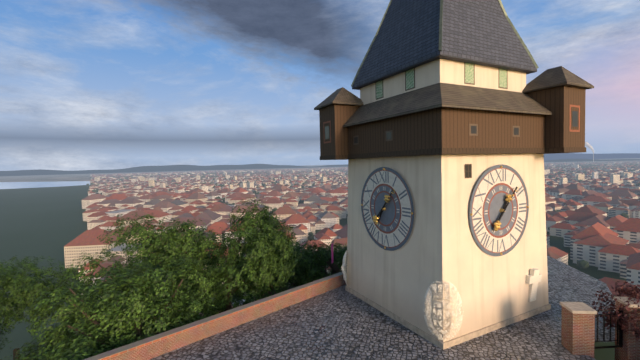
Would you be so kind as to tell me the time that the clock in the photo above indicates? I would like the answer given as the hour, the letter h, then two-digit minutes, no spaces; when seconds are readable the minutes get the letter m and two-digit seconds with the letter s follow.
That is 7h07
